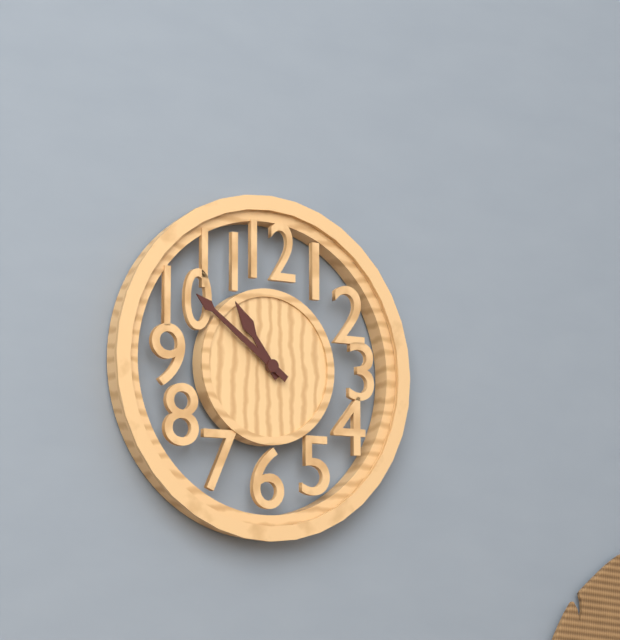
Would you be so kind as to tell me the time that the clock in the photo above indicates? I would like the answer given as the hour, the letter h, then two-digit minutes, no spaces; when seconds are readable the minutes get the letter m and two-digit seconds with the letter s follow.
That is 10h51
